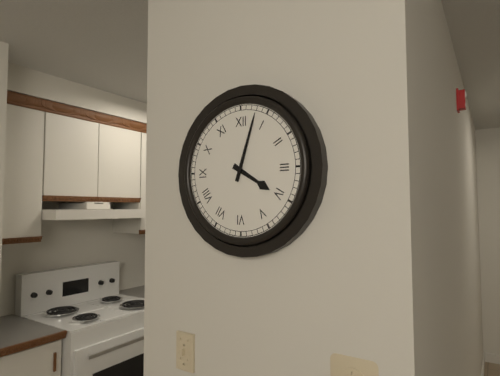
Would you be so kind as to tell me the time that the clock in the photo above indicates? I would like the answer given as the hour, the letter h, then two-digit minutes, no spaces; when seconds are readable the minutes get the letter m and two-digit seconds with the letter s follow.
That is 4h03
